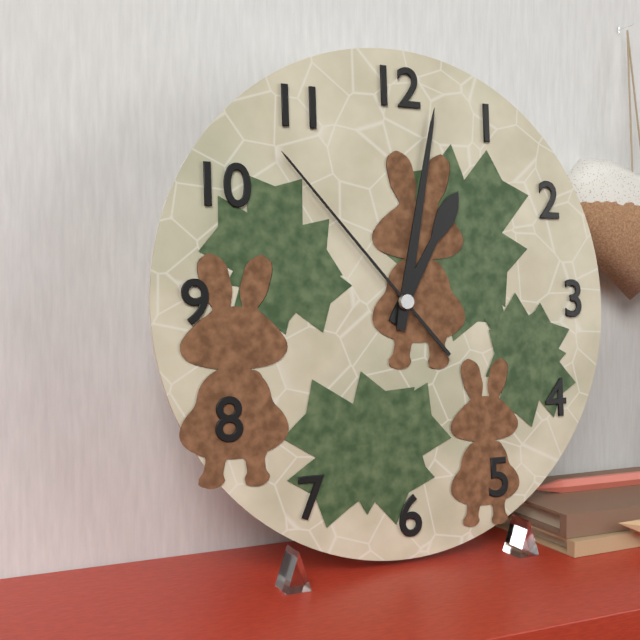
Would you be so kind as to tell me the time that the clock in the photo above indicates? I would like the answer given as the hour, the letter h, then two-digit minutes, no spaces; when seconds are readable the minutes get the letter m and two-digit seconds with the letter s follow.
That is 1h02m53s
